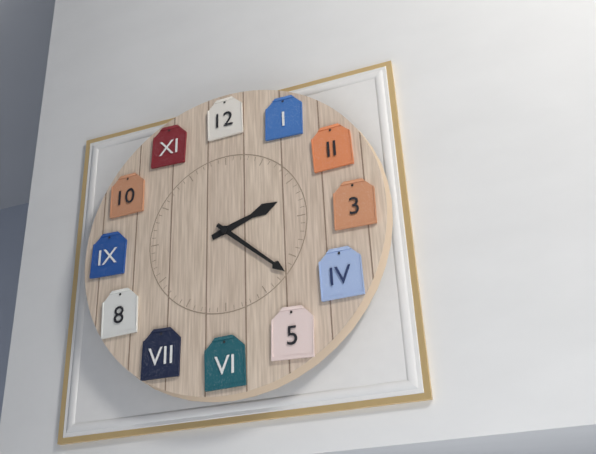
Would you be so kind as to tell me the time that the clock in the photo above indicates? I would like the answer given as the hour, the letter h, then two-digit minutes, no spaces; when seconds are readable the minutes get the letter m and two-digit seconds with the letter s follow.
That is 2h22
